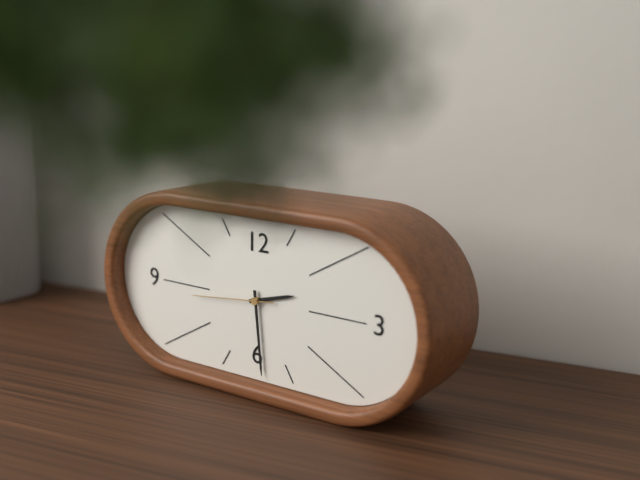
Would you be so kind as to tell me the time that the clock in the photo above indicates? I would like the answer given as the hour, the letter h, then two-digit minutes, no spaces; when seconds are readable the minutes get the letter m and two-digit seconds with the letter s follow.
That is 2h29m44s
